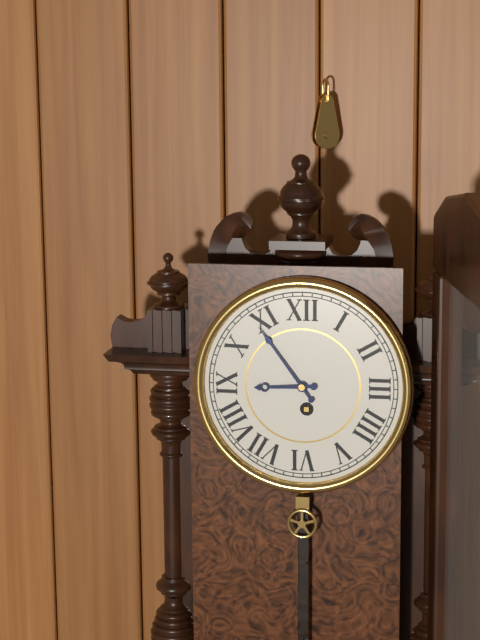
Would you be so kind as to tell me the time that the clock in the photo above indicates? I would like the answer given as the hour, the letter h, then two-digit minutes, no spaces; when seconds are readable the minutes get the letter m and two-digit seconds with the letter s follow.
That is 8h54
